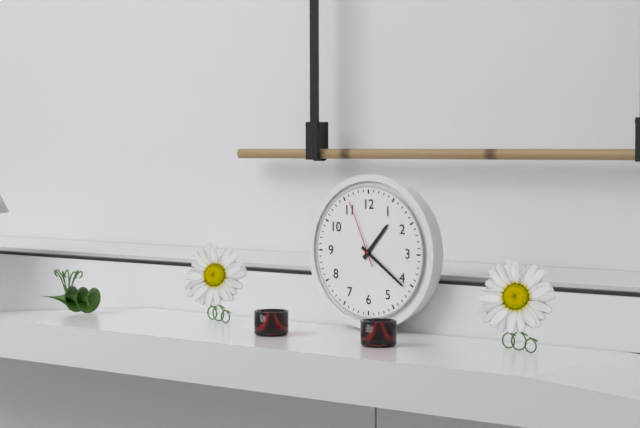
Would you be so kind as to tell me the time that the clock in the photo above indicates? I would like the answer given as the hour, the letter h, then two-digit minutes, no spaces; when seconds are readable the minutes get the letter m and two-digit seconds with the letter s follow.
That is 1h21m56s
